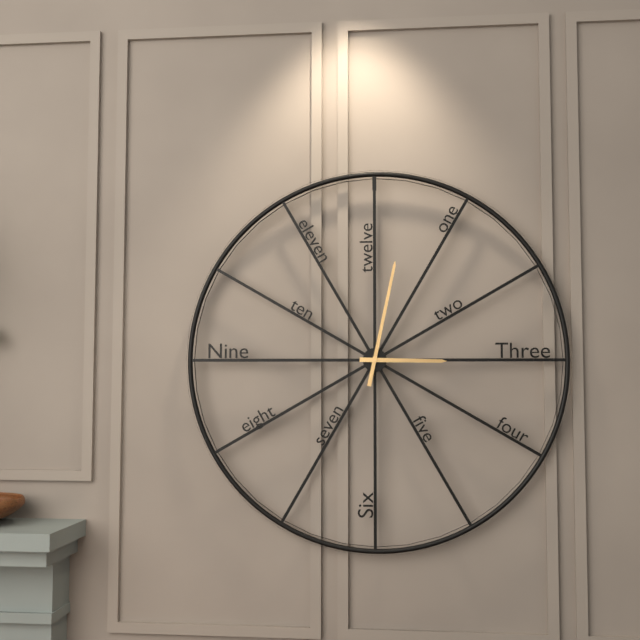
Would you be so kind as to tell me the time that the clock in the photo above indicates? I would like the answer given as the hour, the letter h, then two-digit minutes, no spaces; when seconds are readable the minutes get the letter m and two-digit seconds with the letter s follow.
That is 3h02
